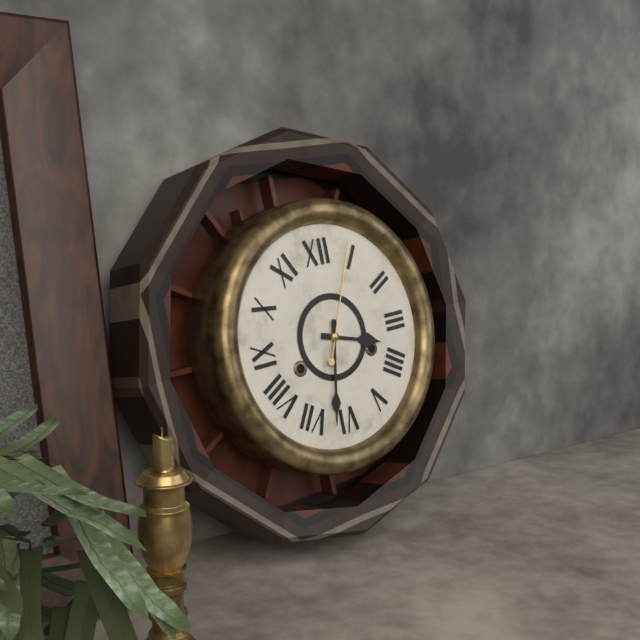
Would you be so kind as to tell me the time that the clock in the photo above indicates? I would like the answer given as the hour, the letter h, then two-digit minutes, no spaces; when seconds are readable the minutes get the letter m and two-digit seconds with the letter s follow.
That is 3h32m04s
